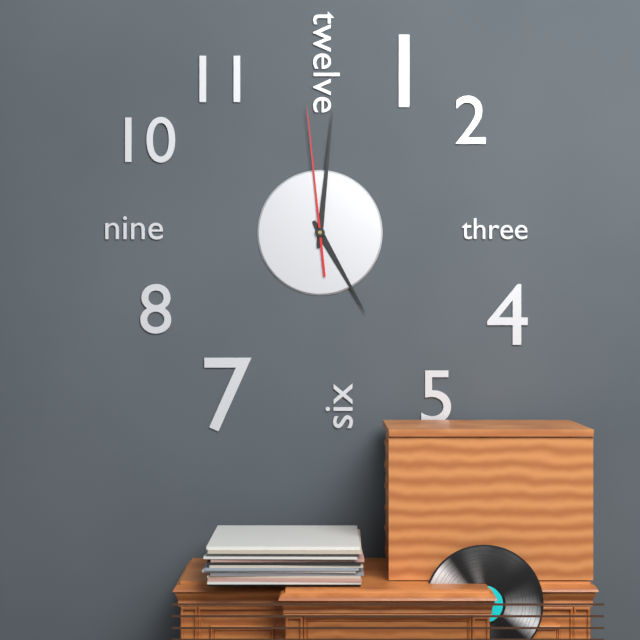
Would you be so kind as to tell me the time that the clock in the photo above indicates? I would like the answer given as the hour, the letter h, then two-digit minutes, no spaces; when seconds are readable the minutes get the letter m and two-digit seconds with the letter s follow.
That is 5h01m59s
